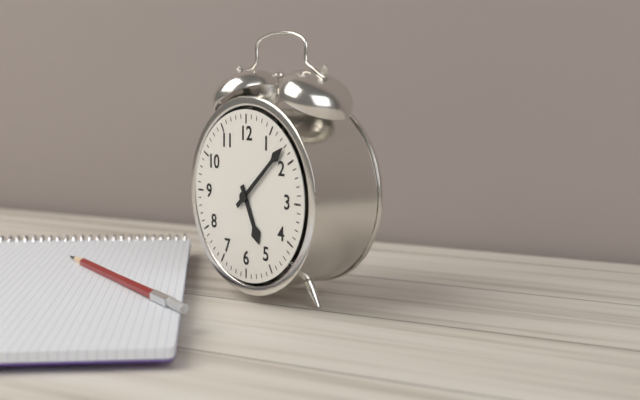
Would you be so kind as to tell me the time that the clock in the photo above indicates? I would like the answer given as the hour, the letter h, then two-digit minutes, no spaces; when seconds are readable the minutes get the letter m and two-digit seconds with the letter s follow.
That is 5h08
